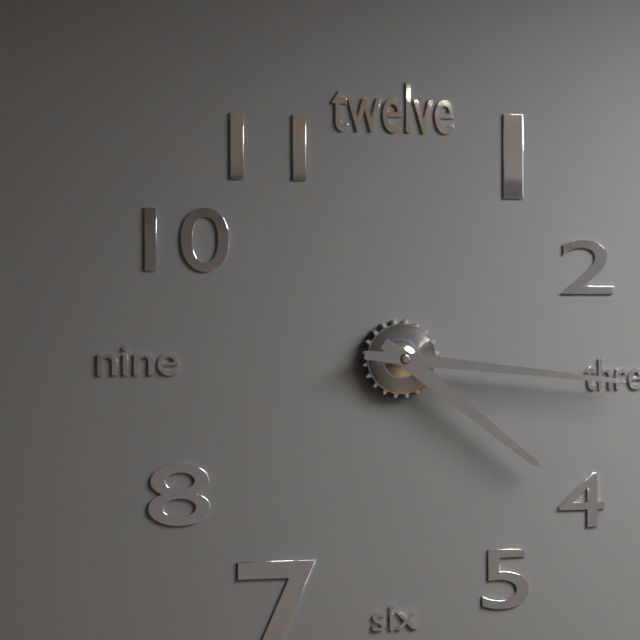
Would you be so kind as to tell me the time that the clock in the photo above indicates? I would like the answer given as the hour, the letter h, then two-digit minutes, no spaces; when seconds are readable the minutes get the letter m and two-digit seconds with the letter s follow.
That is 4h16
